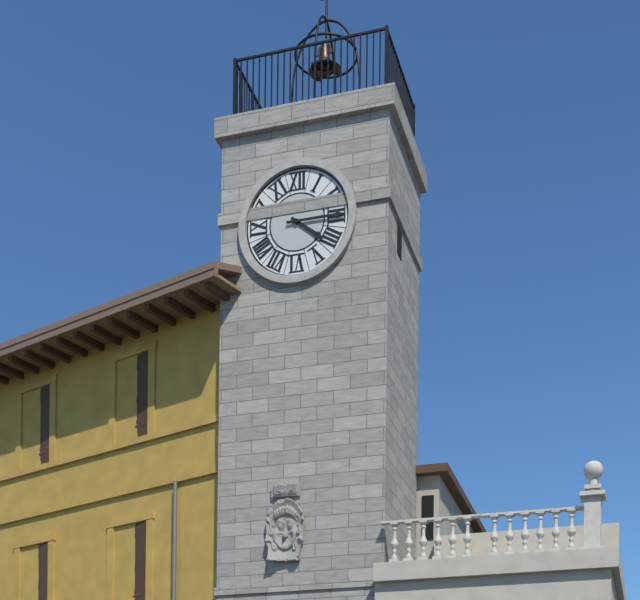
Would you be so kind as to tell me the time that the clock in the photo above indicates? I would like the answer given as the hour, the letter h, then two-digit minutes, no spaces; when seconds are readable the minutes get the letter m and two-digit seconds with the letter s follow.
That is 4h15
